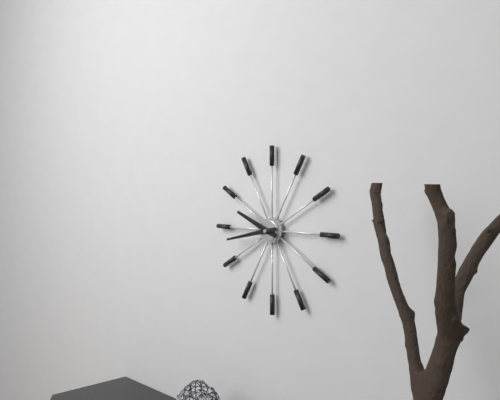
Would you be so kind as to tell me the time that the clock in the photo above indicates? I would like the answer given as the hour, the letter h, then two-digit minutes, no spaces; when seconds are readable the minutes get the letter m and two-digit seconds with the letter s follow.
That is 9h43
